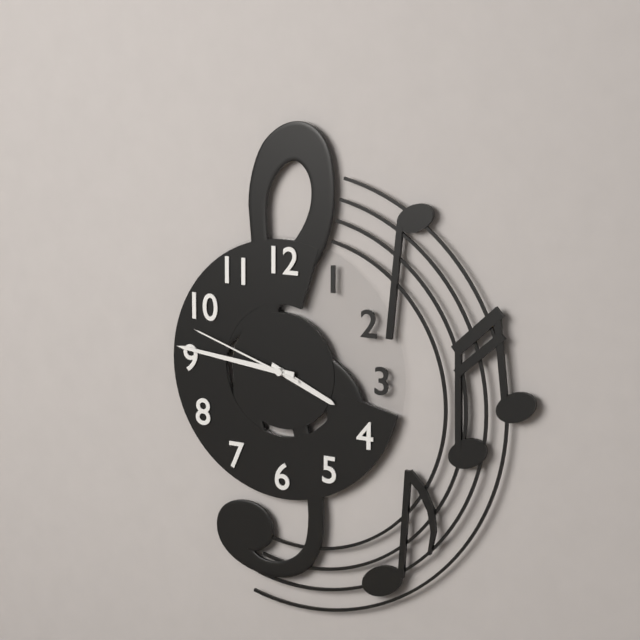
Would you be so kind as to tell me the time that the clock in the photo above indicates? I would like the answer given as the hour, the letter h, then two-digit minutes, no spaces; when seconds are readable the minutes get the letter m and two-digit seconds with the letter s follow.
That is 3h46m48s
